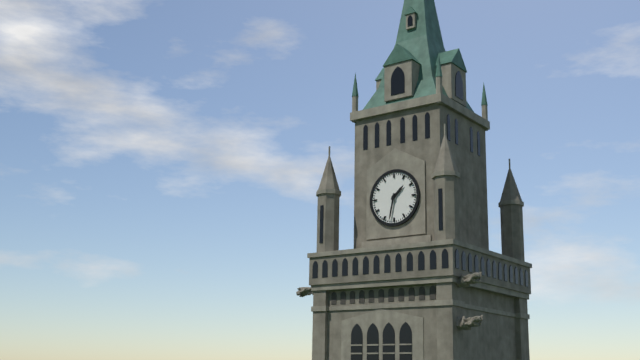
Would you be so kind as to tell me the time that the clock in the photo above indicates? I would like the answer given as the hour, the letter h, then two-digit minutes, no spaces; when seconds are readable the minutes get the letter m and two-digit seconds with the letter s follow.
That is 1h32
